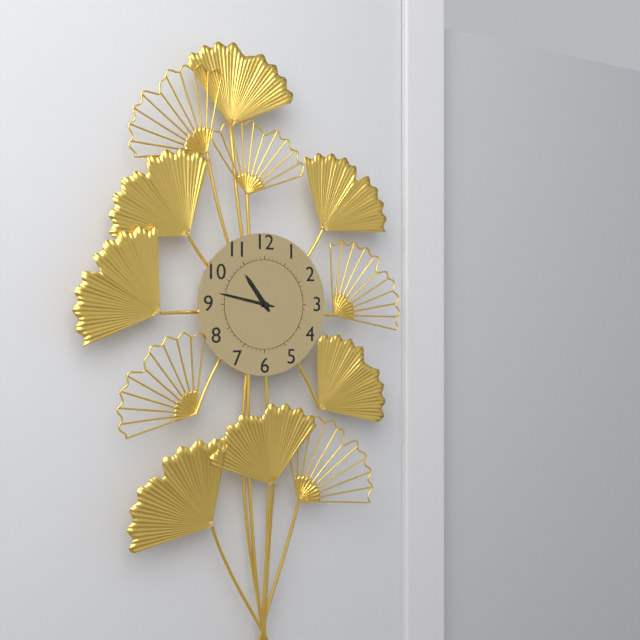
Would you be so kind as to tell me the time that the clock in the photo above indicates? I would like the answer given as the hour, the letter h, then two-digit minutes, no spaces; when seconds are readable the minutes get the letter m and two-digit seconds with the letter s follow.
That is 10h47
